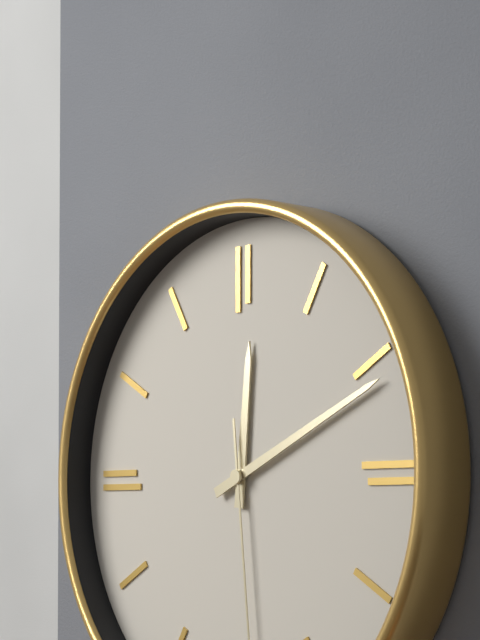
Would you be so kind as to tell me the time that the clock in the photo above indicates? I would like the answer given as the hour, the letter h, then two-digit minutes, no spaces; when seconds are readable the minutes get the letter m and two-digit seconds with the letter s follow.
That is 12h11
